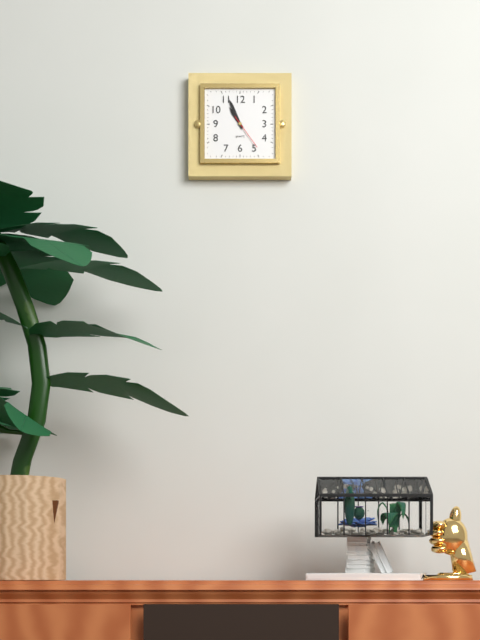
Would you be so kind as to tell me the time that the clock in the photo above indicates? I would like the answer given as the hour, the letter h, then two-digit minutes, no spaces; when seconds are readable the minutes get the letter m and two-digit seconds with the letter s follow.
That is 10h56
